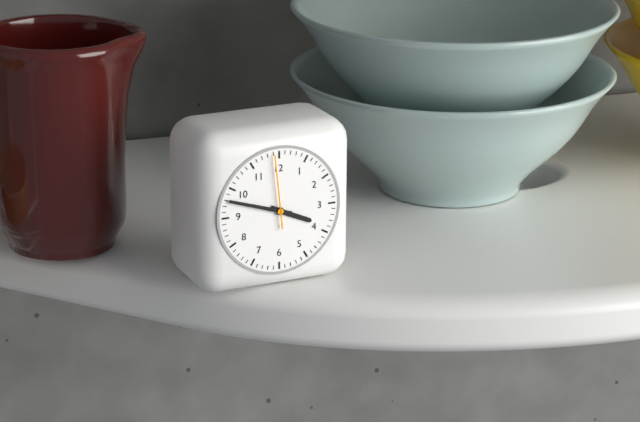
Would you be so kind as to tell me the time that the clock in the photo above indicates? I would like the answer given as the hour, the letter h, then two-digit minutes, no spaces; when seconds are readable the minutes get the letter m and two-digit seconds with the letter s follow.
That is 3h48m59s
